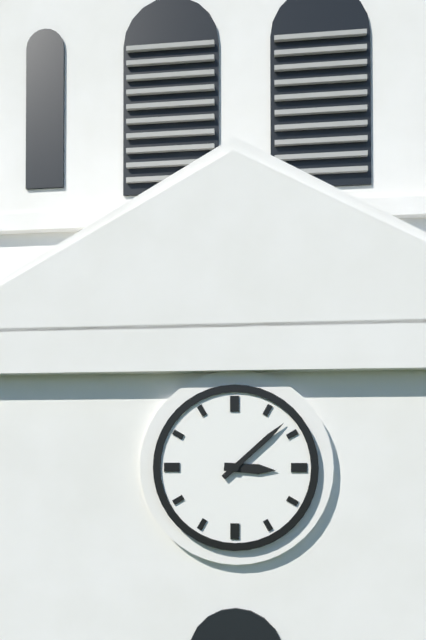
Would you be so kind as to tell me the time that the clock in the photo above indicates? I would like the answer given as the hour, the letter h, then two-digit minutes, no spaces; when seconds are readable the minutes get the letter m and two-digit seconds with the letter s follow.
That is 3h08
